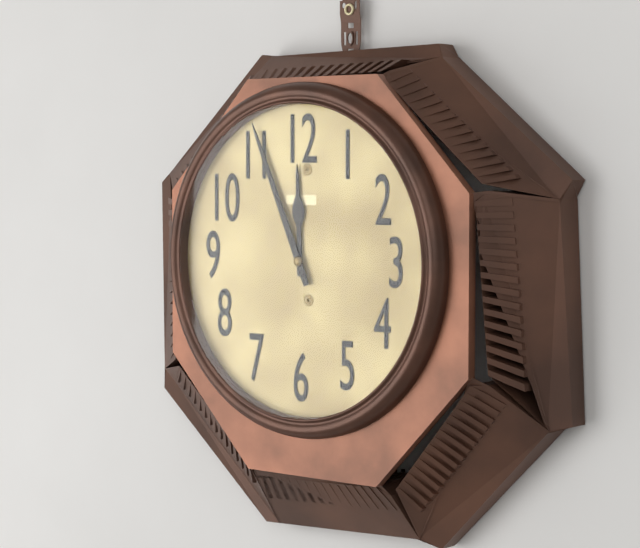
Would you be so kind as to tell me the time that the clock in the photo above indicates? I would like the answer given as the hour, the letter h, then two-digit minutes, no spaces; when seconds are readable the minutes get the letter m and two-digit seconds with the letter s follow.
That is 11h56
